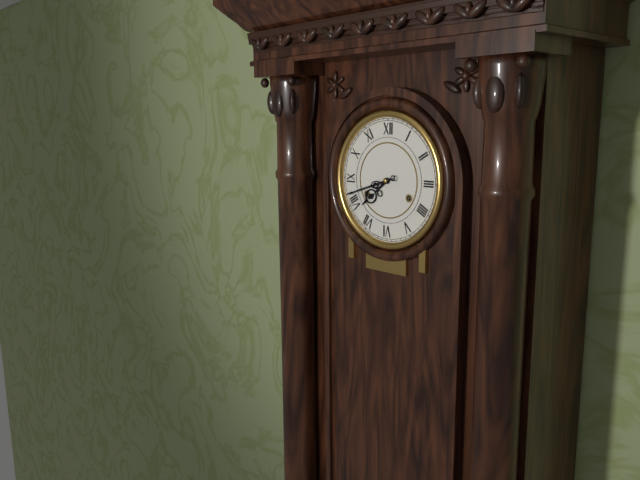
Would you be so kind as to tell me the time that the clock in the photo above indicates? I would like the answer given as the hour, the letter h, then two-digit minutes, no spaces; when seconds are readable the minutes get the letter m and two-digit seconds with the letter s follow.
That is 7h42
